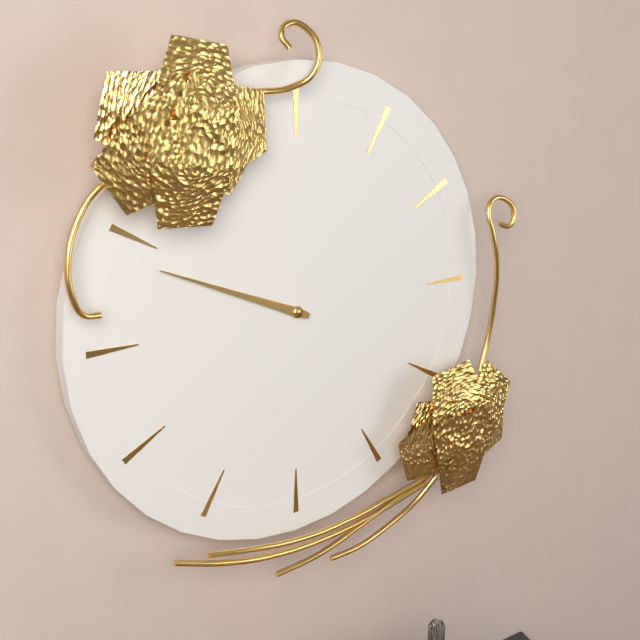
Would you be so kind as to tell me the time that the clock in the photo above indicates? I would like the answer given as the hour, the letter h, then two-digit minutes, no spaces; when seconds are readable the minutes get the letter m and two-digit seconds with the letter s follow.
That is 9h49
